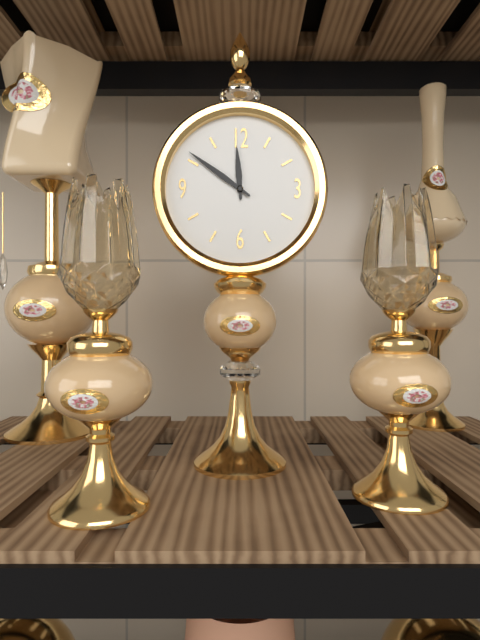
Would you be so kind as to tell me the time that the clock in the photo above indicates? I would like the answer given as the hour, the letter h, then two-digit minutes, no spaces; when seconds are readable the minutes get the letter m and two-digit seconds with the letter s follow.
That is 11h51
